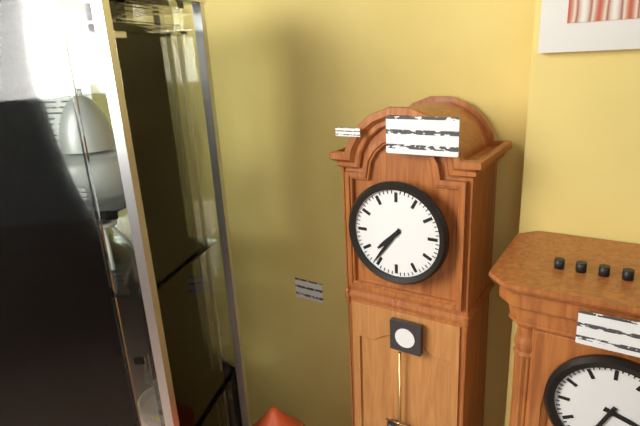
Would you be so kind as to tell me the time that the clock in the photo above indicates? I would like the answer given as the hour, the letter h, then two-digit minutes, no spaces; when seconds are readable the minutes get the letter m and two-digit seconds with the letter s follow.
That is 7h36
